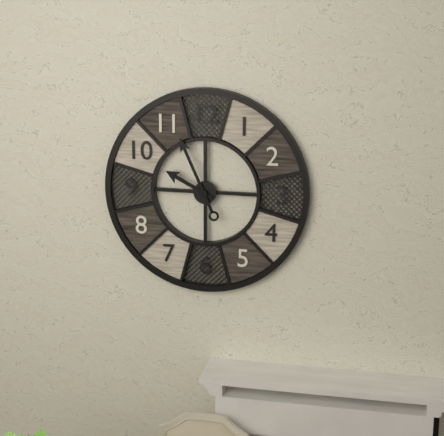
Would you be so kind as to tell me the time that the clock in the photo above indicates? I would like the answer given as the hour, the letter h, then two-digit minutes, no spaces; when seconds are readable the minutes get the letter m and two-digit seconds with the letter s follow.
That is 9h56
